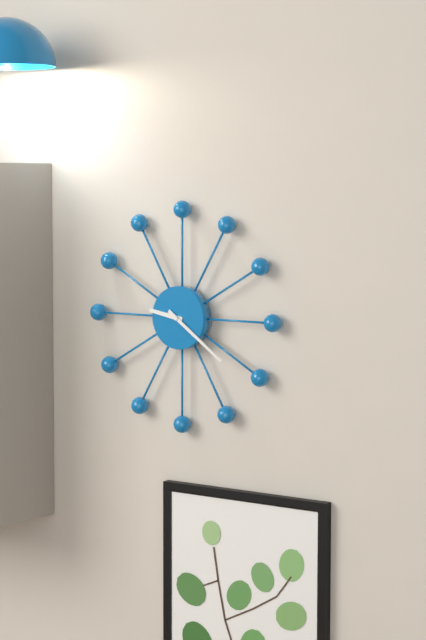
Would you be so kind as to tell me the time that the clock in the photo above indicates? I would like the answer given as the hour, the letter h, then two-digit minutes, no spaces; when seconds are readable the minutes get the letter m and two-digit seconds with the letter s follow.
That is 9h21
